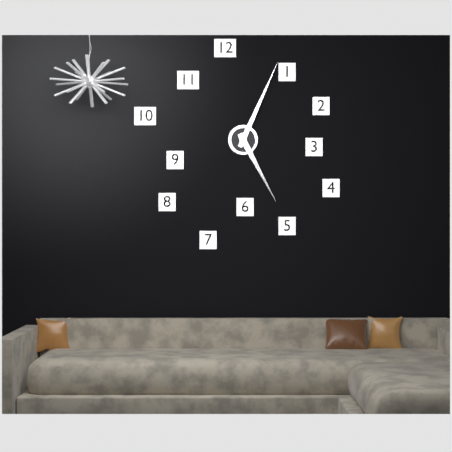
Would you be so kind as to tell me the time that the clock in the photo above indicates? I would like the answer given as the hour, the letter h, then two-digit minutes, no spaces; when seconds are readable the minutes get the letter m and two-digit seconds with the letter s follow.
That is 5h04
